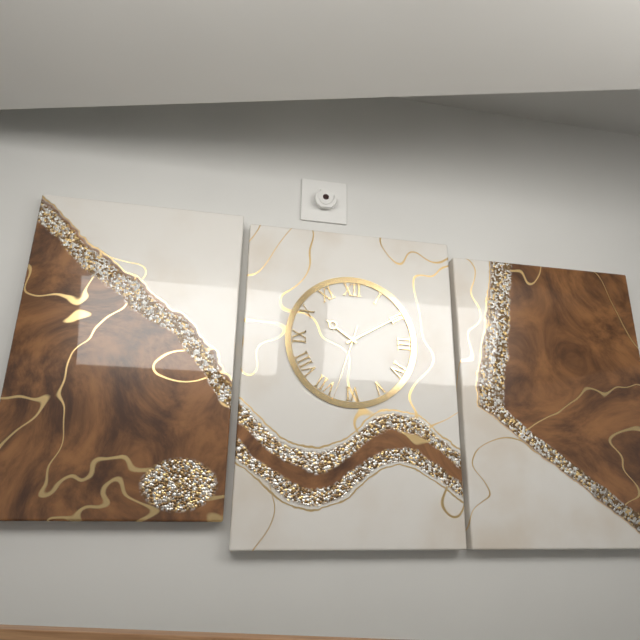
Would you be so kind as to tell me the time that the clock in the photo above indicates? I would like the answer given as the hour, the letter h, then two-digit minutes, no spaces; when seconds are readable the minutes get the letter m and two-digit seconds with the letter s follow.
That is 10h10m33s
